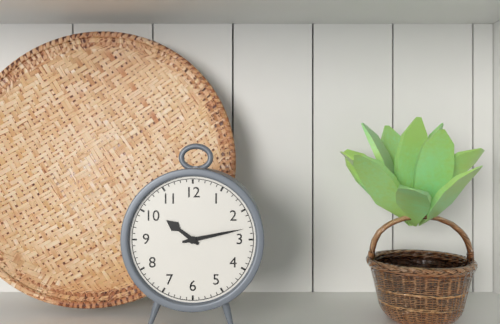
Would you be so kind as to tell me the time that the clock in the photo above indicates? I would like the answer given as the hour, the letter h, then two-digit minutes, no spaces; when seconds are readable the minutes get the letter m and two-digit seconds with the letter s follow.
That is 10h13
